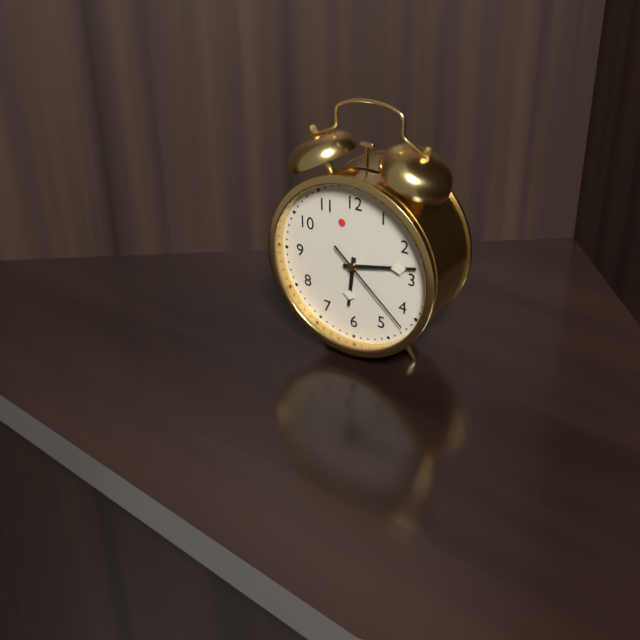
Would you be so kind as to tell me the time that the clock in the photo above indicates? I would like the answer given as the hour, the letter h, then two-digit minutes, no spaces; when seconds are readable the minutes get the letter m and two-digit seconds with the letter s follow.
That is 6h13m22s
